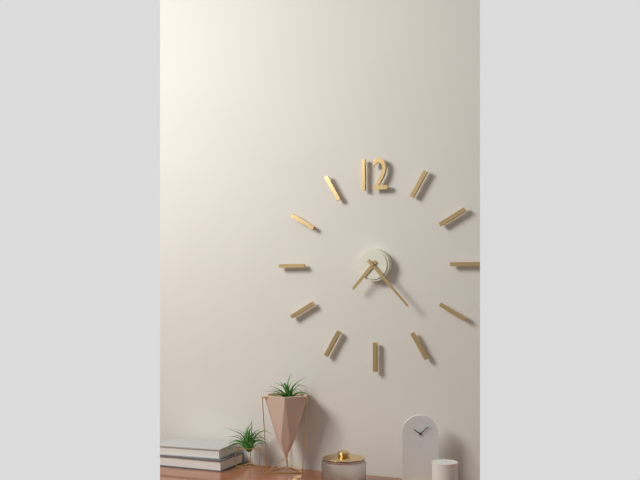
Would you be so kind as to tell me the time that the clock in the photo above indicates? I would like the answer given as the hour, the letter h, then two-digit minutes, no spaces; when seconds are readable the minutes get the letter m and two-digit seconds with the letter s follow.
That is 7h23
